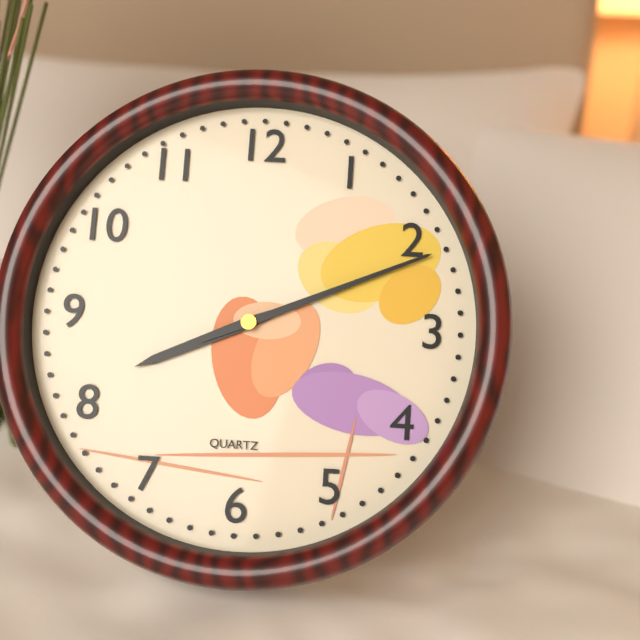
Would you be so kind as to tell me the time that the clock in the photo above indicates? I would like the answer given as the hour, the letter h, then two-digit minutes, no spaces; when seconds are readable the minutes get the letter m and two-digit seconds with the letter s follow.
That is 8h11
